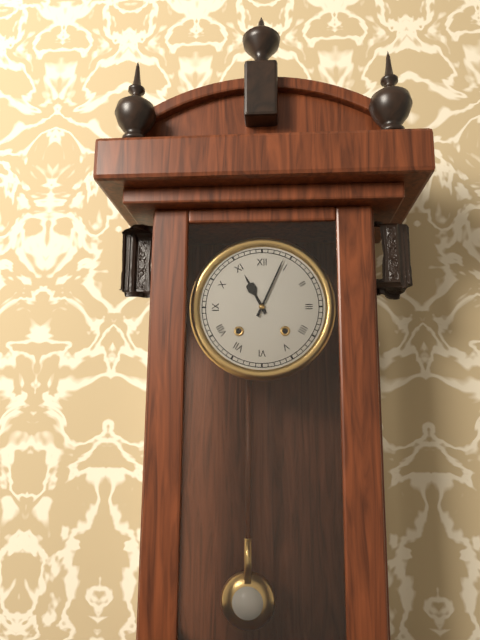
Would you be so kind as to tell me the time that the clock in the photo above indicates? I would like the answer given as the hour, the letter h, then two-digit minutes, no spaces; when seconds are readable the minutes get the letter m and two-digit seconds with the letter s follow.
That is 11h04
